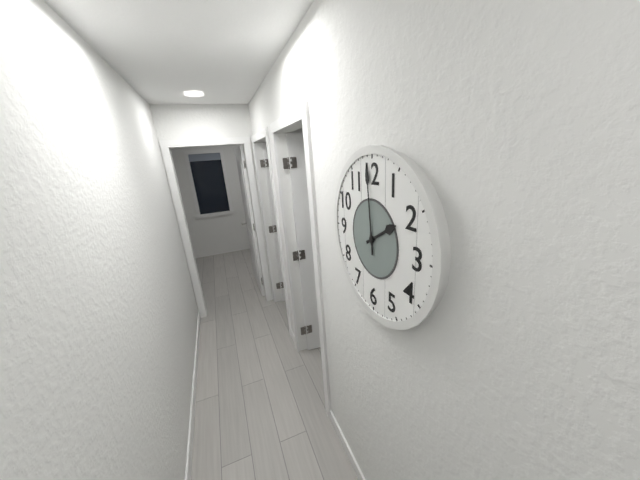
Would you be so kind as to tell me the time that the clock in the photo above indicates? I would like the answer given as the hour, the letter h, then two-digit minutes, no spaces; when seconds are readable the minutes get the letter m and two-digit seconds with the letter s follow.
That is 1h59
